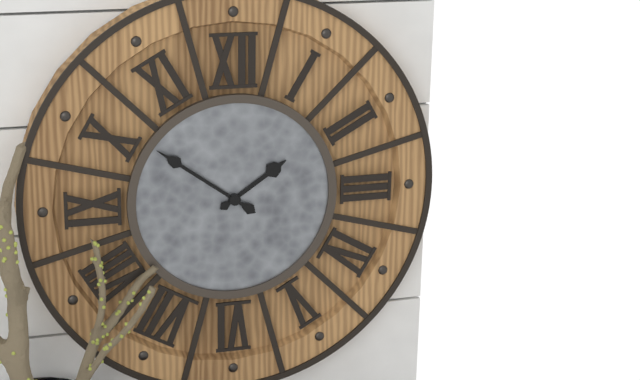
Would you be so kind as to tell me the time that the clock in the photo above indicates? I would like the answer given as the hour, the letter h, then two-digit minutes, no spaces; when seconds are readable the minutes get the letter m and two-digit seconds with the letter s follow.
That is 1h51
